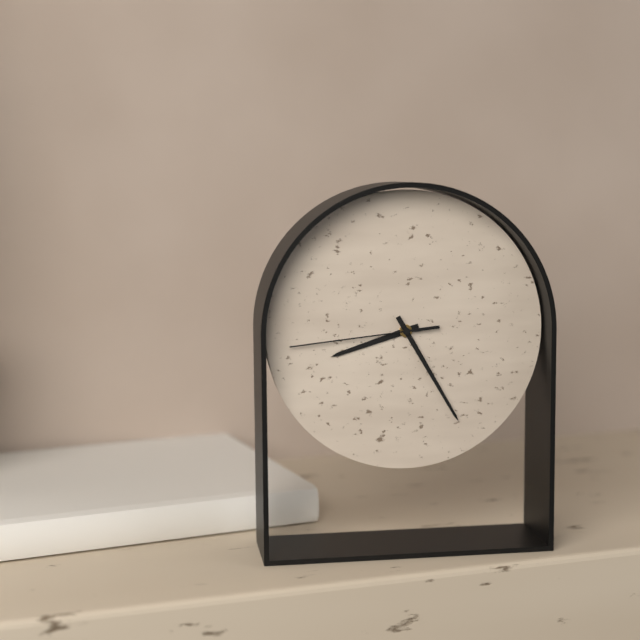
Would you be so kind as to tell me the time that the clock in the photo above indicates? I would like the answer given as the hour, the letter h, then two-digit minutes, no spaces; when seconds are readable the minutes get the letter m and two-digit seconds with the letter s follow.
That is 8h25m44s
